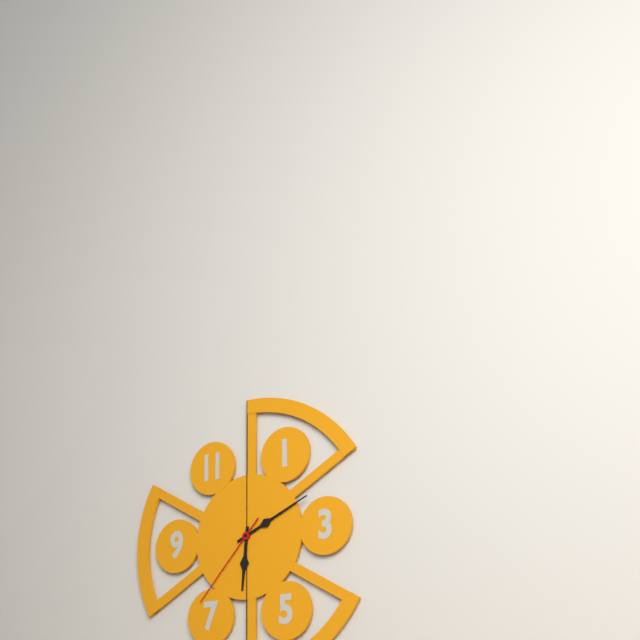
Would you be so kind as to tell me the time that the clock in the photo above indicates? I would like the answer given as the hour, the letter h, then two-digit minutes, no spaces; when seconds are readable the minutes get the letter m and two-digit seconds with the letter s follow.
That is 6h11m37s
